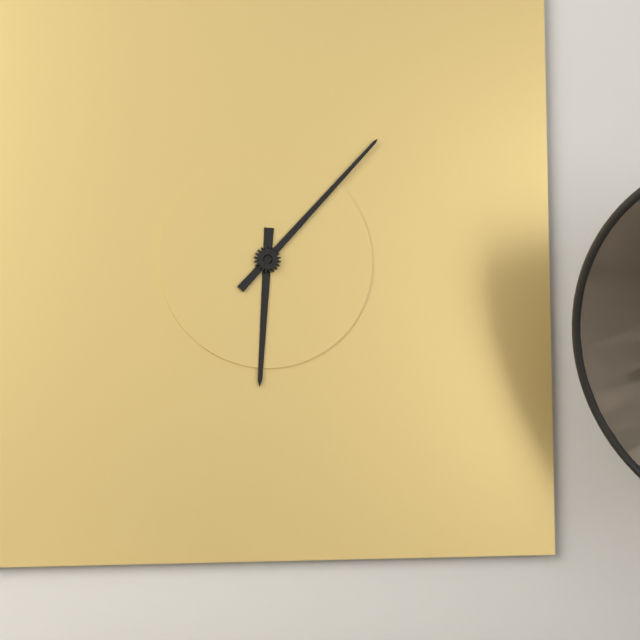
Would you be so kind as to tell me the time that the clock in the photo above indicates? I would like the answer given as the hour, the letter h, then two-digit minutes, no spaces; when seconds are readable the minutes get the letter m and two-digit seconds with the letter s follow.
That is 6h07
